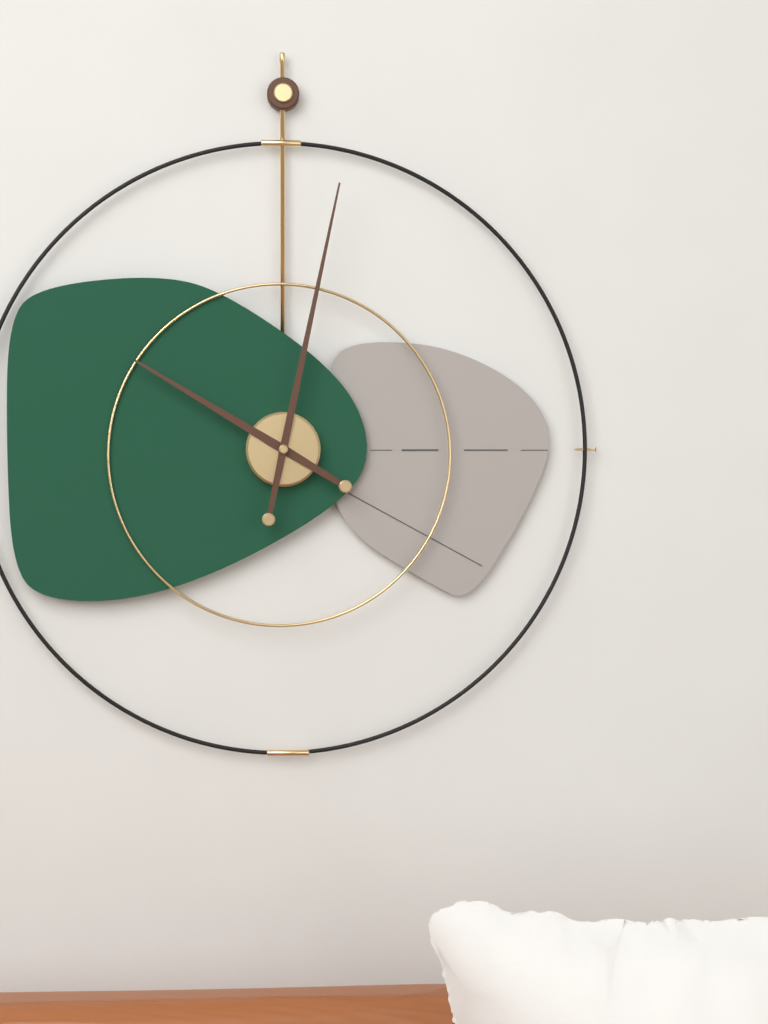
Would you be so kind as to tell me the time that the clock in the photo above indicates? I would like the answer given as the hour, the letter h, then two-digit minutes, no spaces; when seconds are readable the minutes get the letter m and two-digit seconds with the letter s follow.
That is 10h02
